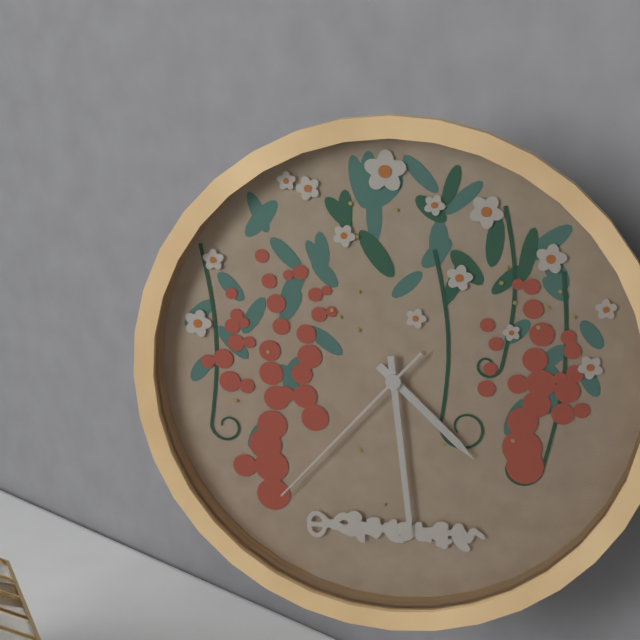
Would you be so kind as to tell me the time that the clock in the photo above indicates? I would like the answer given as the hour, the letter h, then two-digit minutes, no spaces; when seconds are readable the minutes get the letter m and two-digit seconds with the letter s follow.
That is 4h29m37s
